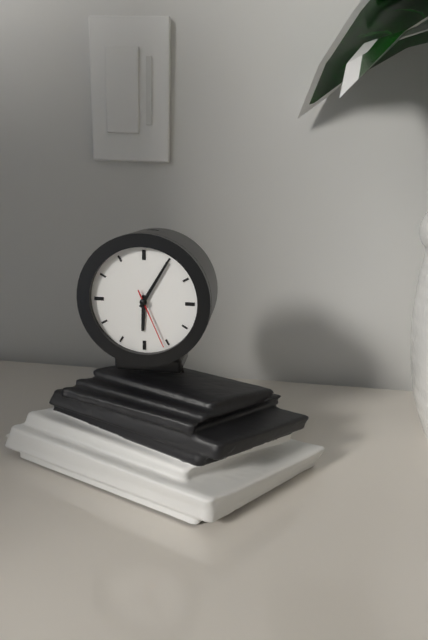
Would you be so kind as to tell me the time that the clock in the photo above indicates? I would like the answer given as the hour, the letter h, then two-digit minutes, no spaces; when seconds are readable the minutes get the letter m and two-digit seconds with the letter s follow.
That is 6h05m26s
